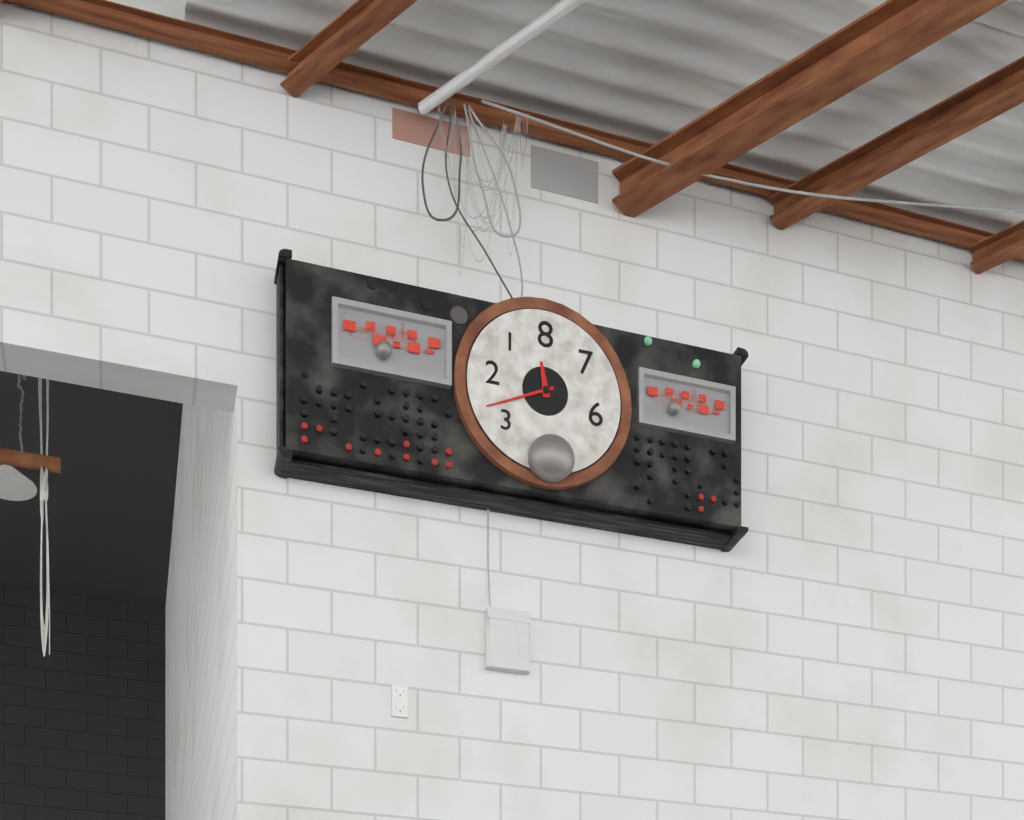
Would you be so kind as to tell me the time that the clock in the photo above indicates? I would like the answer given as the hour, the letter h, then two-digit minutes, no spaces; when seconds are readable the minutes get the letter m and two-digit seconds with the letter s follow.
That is 11h41
